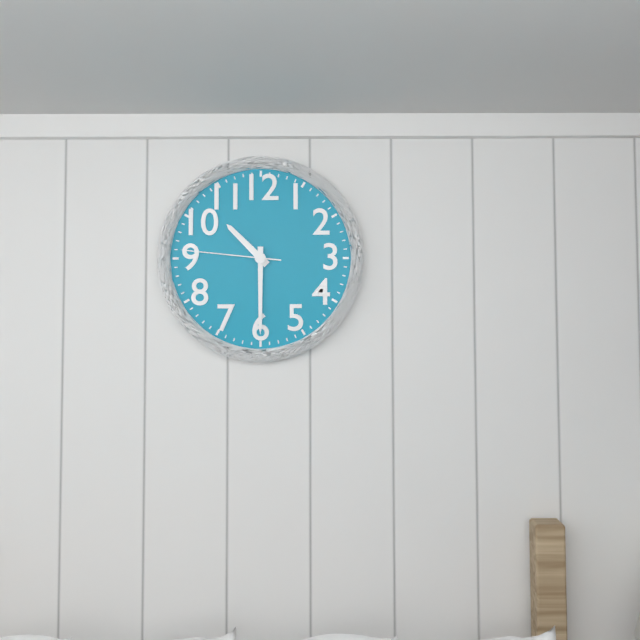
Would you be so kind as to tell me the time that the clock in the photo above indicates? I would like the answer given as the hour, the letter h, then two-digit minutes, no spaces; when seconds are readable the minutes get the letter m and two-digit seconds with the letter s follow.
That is 10h30m46s
